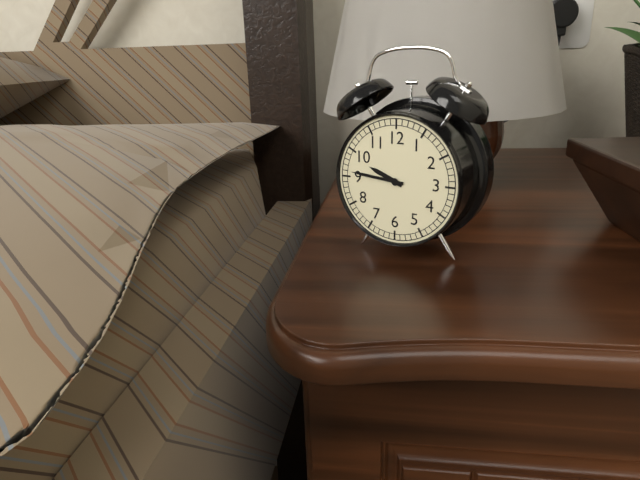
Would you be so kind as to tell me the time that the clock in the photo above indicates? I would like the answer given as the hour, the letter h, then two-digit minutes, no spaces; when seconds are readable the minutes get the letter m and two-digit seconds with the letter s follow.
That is 9h46
